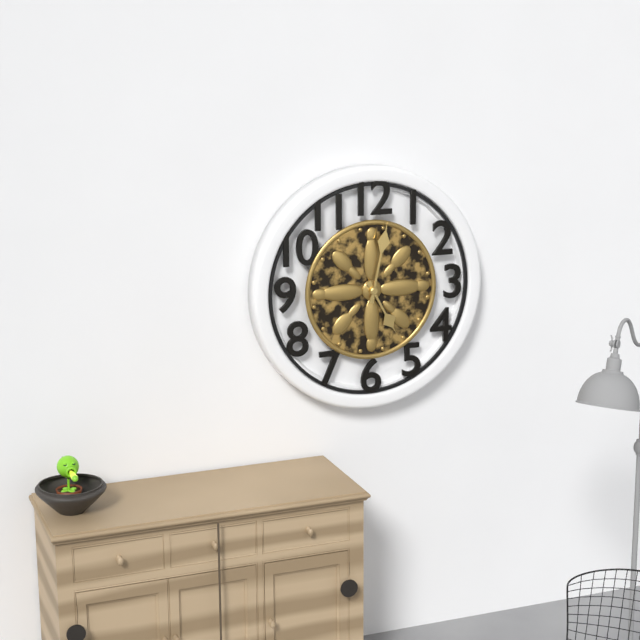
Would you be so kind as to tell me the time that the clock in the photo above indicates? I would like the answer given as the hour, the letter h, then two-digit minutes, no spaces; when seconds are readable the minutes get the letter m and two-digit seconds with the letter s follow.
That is 5h02
